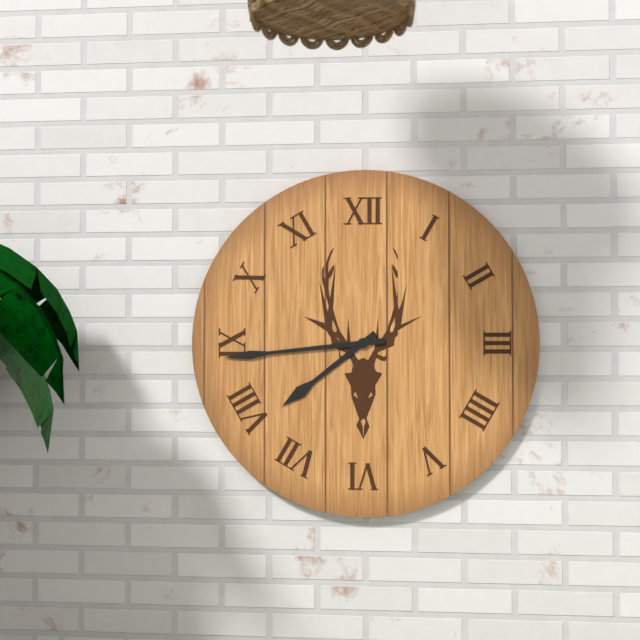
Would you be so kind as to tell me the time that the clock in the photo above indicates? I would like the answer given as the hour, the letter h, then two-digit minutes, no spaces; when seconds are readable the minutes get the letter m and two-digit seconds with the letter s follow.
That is 7h44
